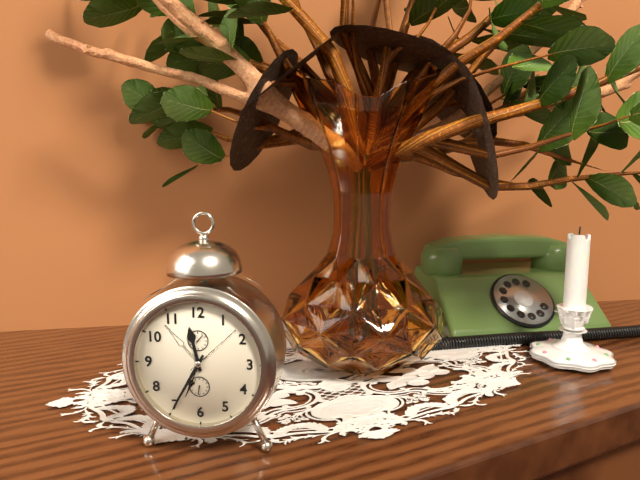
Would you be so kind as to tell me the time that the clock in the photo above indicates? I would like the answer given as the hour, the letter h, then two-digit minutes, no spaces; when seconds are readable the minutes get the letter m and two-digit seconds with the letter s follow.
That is 11h35
